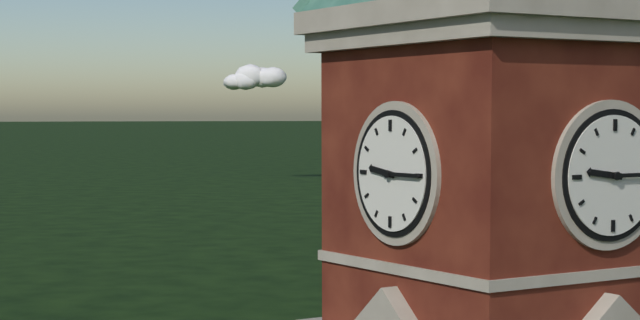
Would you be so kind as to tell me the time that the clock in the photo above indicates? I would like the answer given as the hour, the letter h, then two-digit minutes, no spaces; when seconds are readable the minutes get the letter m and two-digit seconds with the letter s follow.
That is 9h15
